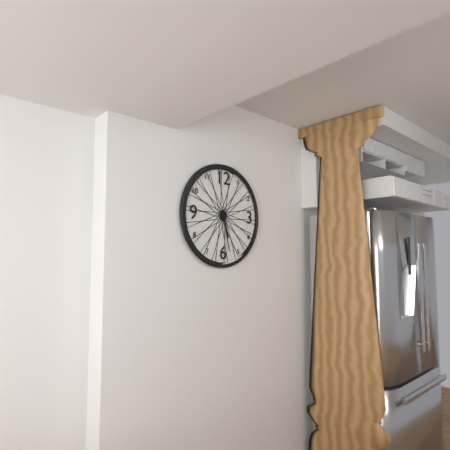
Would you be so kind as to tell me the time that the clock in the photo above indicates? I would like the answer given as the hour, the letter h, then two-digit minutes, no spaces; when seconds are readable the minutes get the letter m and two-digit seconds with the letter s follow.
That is 5h28
